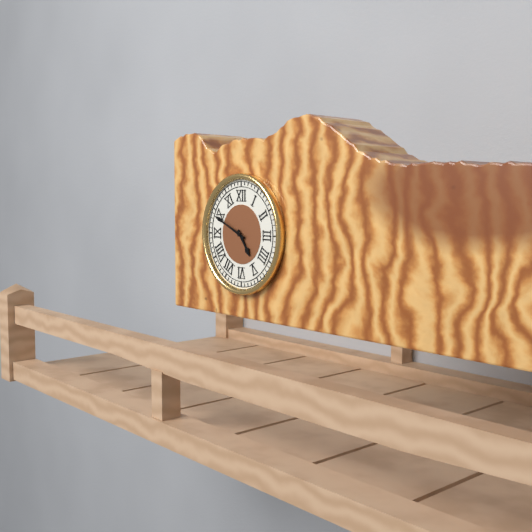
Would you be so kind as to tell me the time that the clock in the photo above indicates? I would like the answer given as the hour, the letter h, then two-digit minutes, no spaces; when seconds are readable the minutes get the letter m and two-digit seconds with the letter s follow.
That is 4h49
